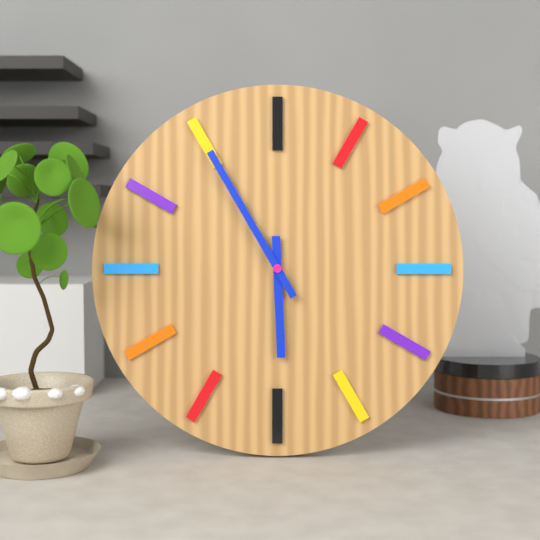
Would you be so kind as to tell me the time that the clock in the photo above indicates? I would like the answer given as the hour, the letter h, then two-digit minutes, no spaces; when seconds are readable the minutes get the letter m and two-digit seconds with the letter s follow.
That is 5h55
